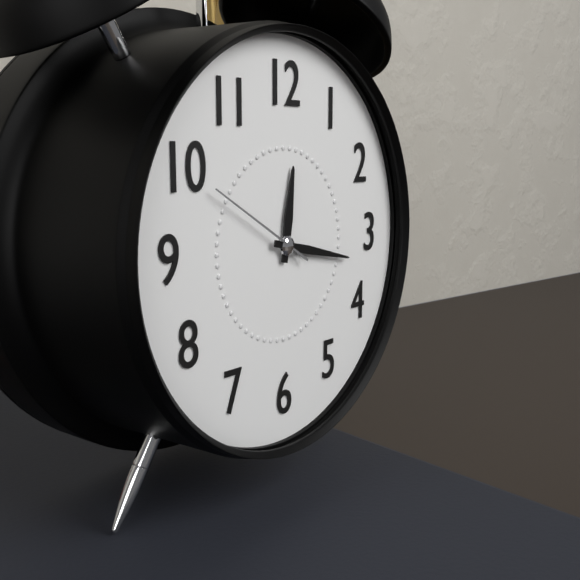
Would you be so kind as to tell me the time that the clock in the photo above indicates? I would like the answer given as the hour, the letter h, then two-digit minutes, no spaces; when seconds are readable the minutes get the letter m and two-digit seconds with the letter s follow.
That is 12h17m50s
